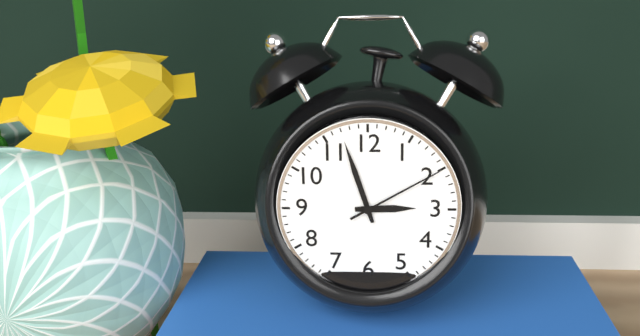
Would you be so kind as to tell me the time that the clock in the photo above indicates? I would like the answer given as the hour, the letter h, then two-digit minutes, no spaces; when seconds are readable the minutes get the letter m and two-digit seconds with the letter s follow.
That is 2h57m10s
